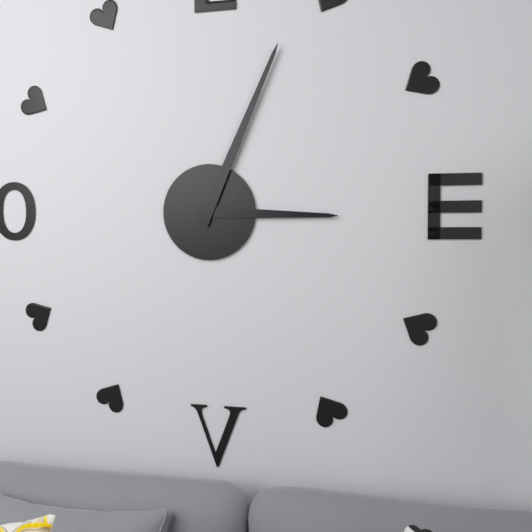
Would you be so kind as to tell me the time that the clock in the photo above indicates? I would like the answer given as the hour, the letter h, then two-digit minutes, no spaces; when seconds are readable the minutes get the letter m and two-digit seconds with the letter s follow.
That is 3h04
